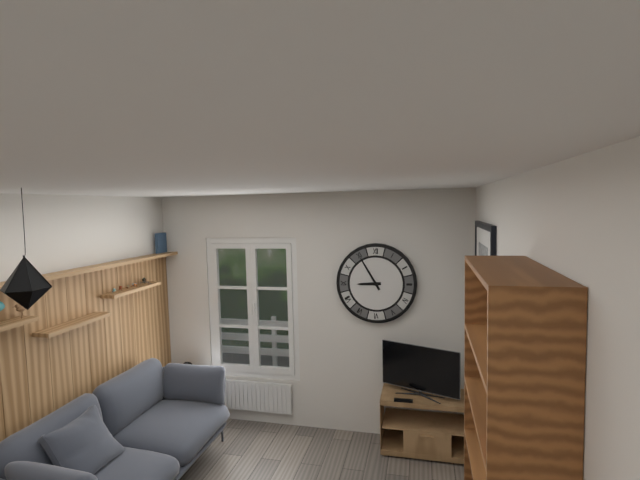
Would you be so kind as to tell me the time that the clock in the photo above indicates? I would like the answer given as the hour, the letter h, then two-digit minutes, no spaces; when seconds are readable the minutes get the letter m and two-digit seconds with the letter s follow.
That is 8h55
